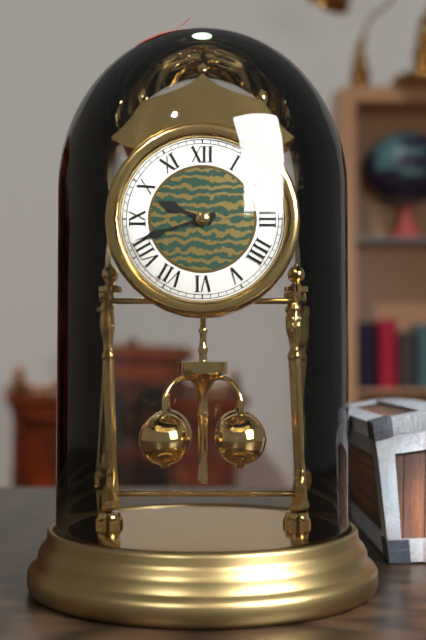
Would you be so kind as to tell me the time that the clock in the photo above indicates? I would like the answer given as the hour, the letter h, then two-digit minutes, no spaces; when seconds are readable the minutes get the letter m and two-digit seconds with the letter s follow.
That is 9h42
